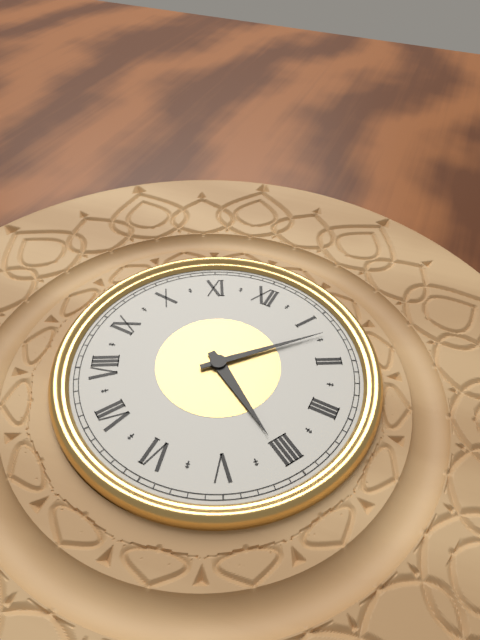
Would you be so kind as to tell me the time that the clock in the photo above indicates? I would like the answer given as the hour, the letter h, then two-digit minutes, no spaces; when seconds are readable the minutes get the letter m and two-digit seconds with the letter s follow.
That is 4h07
